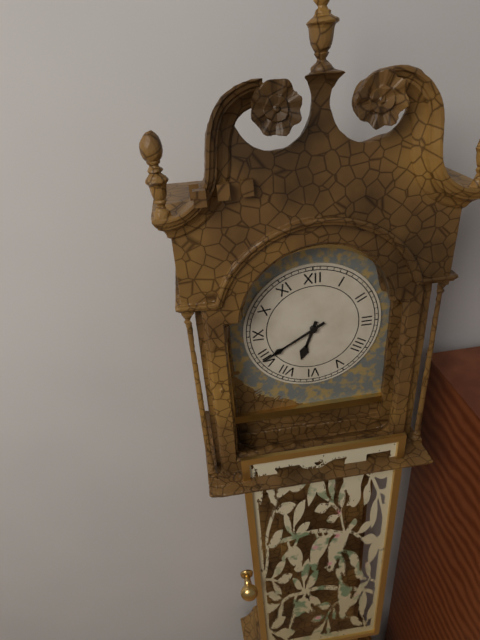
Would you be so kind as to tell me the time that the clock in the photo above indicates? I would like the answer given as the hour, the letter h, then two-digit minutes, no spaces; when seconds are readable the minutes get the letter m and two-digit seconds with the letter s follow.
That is 6h40
